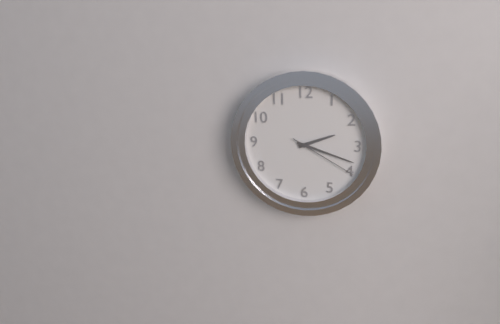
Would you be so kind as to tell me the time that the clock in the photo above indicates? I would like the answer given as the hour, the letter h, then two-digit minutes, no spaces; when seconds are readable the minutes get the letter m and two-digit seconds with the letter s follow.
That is 2h18m20s
